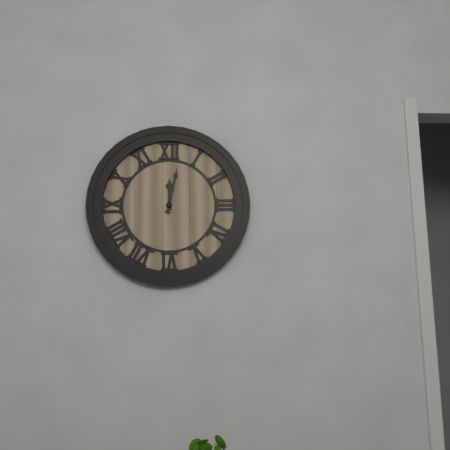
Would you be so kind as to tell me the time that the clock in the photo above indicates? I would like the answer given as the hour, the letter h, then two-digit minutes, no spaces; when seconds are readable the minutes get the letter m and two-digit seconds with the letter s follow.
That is 12h02
